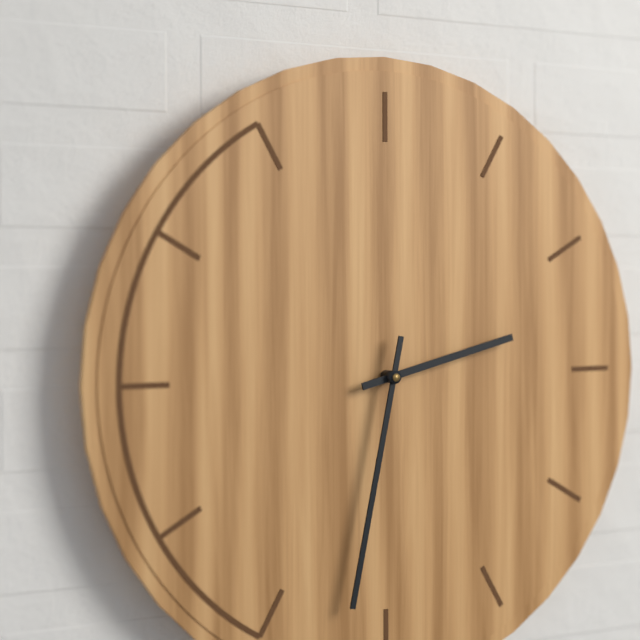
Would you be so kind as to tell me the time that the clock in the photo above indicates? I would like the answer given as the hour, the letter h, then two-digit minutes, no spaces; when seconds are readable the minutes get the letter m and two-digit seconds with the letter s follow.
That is 2h32
